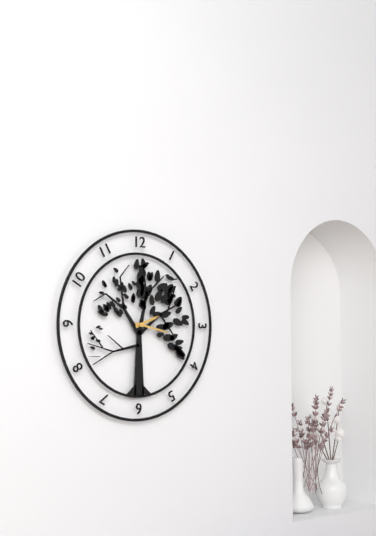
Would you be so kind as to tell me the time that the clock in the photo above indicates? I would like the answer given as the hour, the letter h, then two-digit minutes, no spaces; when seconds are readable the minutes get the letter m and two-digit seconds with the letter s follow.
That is 2h17
